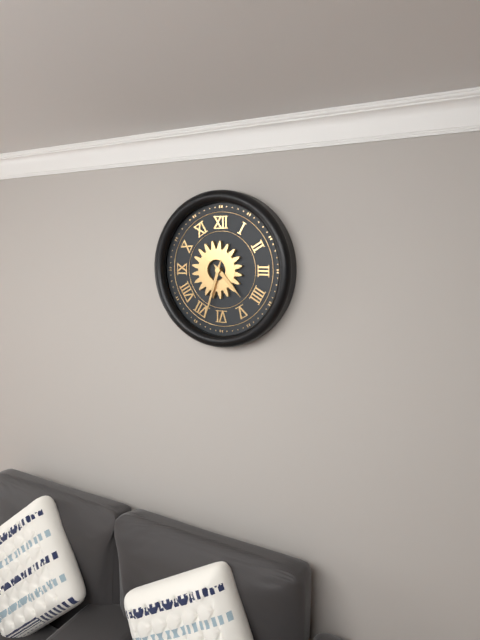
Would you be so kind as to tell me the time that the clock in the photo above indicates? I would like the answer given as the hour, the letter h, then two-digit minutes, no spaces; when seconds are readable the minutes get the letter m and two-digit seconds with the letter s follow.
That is 4h33
